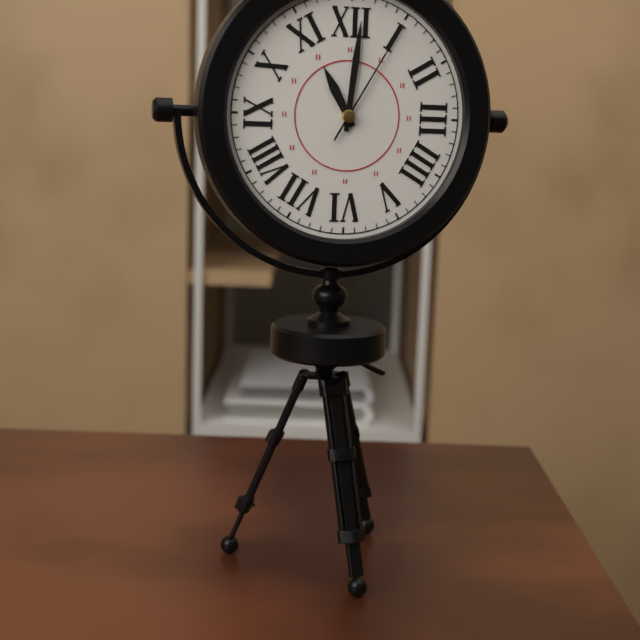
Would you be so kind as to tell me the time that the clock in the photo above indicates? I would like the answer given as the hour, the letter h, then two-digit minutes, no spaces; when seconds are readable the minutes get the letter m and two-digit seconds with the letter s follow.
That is 11h01m05s
